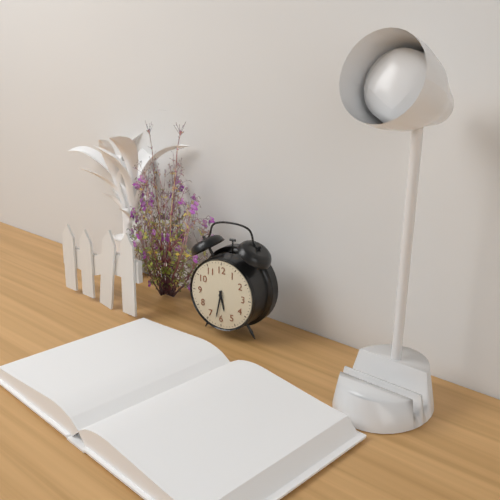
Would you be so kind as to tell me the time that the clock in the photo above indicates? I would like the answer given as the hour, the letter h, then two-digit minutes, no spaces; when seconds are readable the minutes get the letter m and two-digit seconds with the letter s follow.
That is 5h32
